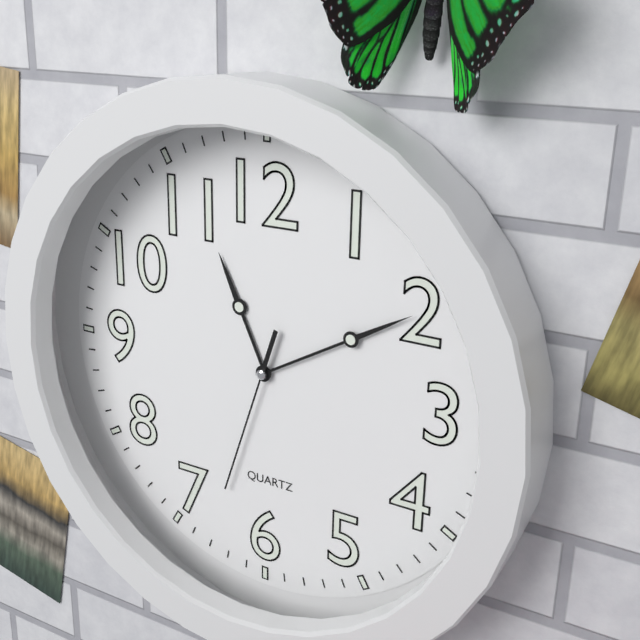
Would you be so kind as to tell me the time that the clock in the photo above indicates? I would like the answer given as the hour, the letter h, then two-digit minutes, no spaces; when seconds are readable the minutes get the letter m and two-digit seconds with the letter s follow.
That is 11h10m33s
